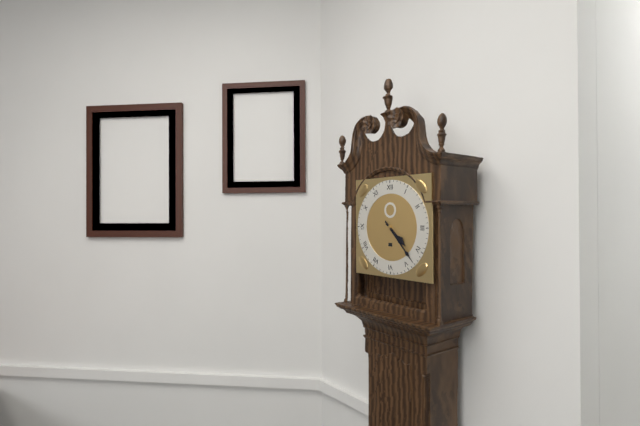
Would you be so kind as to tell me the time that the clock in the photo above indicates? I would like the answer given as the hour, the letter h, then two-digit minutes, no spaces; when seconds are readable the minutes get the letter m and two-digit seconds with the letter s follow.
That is 4h23
